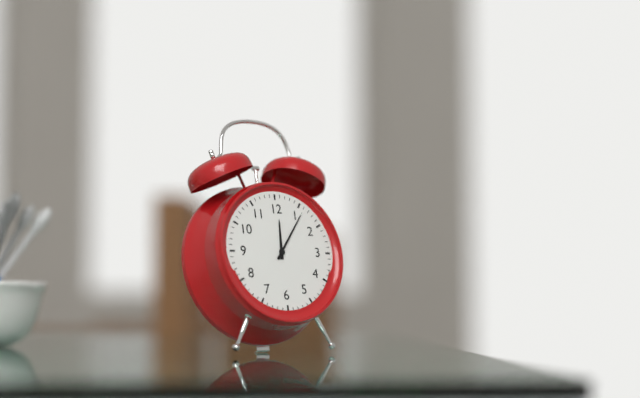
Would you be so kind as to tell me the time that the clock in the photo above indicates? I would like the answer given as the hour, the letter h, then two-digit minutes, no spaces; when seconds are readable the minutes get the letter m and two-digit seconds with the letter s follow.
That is 12h06
